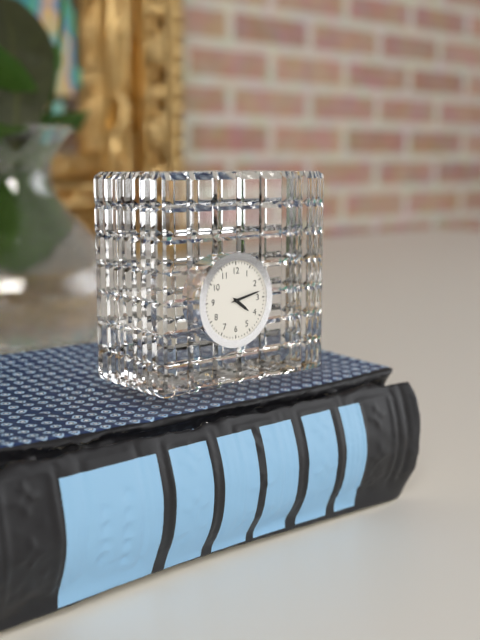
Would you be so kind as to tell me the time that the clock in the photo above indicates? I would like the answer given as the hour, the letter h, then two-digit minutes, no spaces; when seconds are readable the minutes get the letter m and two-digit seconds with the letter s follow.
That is 4h13
